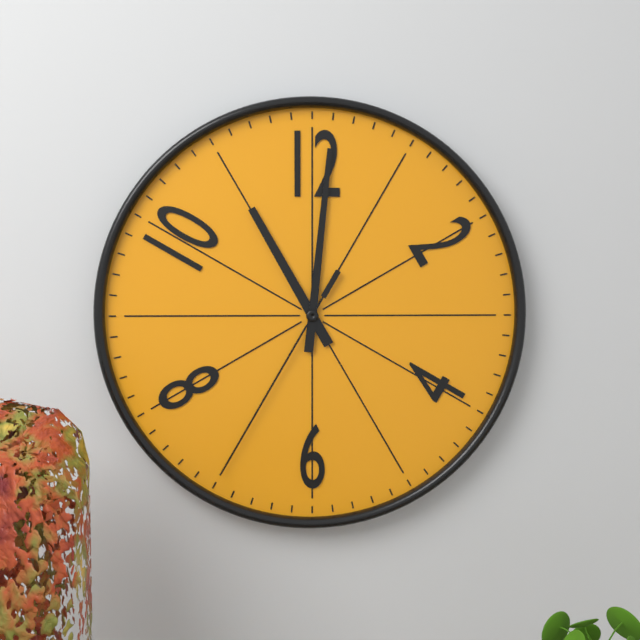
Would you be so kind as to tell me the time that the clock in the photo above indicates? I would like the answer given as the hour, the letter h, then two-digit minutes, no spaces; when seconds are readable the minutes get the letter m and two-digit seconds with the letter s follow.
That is 11h01m35s
